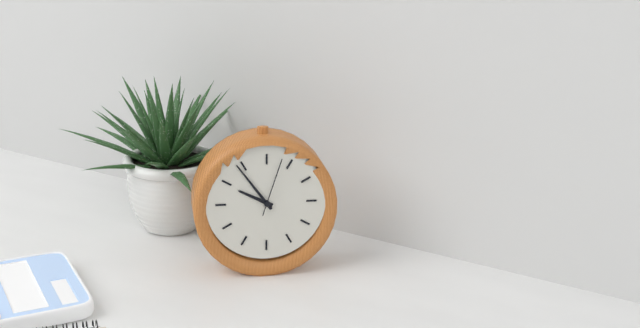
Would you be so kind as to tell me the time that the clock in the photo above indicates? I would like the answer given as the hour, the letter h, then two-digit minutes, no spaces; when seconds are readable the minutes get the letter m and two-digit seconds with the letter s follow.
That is 9h54m03s
